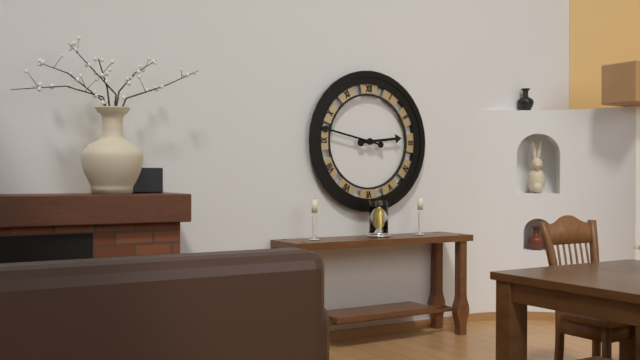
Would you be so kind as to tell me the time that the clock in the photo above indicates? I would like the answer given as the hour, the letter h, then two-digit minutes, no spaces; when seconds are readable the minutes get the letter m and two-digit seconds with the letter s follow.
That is 2h47
